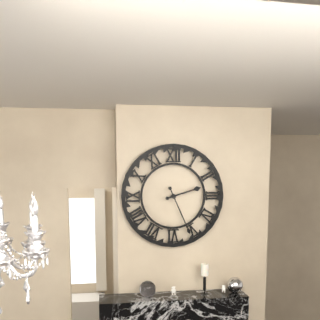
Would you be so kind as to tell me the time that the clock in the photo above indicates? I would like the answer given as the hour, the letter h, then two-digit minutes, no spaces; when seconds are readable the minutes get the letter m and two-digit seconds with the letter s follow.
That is 2h26
